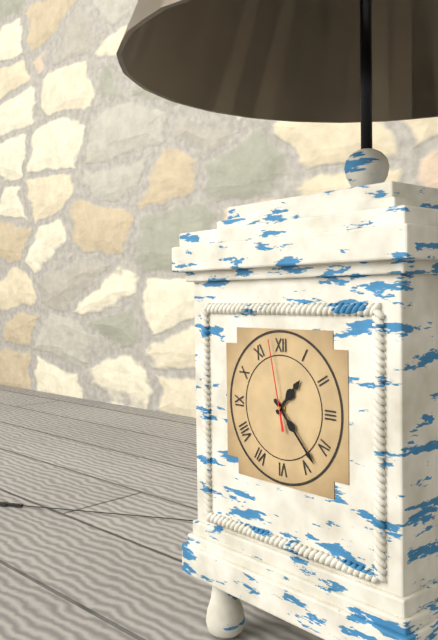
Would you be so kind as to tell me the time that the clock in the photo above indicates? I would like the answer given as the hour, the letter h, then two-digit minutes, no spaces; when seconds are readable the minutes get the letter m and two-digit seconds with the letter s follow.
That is 1h23m58s
